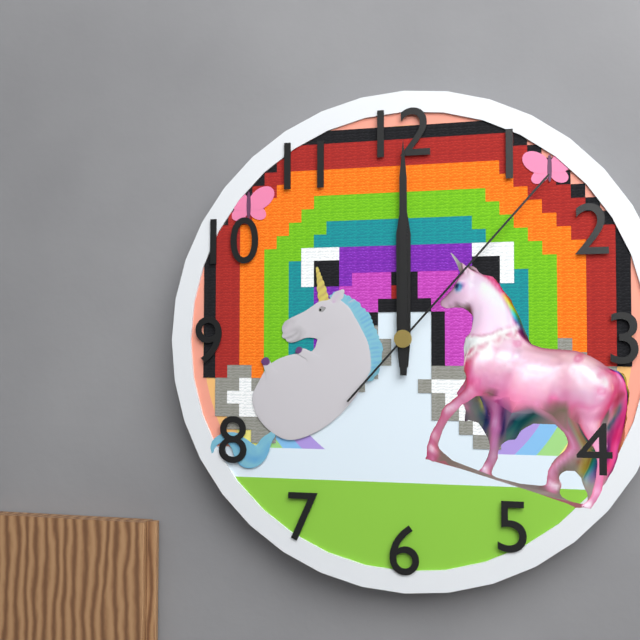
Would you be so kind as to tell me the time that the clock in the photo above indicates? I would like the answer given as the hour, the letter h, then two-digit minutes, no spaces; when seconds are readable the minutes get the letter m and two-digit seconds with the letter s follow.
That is 12h00m07s
